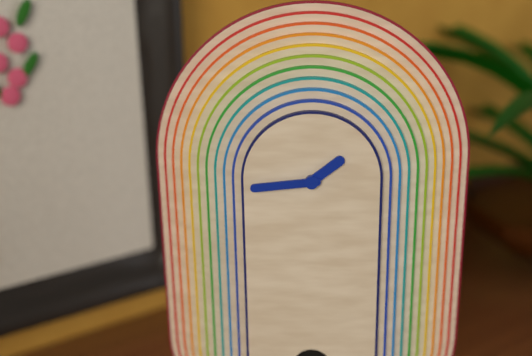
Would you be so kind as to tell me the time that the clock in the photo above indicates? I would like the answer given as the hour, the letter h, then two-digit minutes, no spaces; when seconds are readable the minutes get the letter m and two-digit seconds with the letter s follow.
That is 1h44
